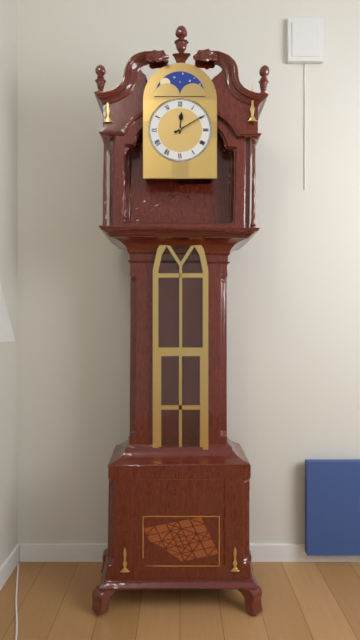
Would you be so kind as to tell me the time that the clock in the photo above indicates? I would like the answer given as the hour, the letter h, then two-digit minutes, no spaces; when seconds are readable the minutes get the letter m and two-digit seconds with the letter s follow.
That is 12h10
